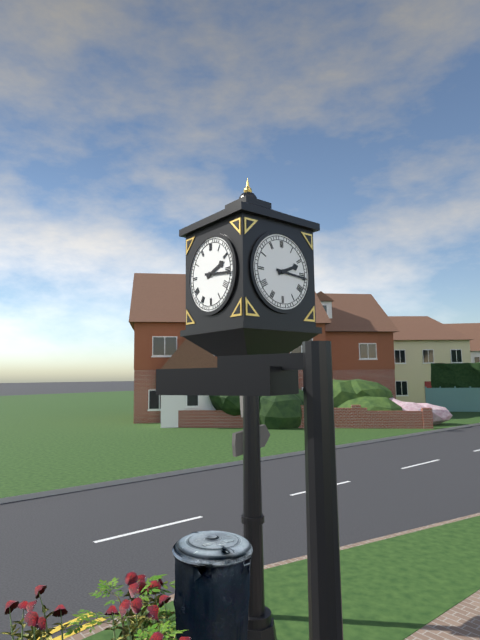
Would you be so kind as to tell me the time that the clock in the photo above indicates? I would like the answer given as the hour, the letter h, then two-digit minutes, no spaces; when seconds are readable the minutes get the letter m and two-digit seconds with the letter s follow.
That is 2h16
